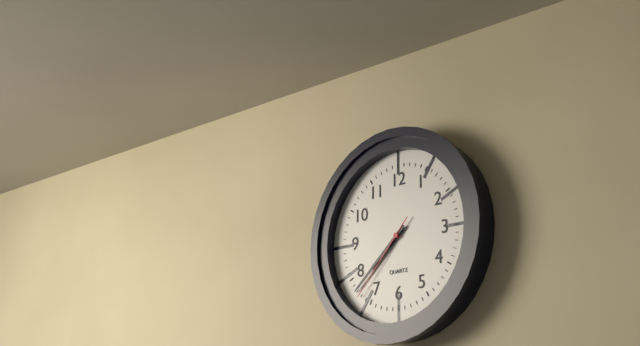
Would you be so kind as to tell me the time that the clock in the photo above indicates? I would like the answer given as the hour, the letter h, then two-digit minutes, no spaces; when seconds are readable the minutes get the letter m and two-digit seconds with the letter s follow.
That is 7h38m37s
